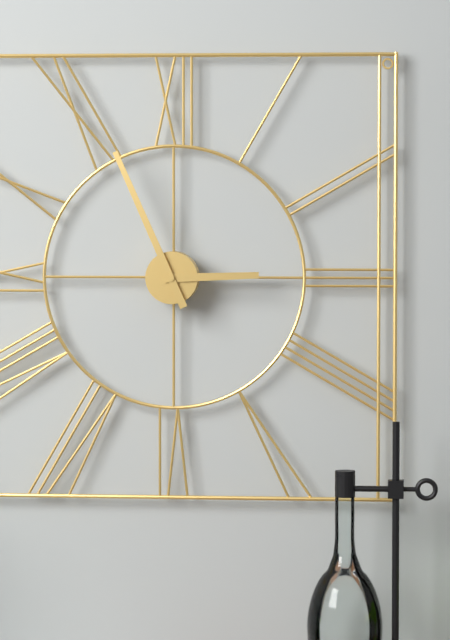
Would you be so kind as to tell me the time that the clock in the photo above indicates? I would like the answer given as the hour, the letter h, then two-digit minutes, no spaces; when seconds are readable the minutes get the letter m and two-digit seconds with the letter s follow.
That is 2h56
